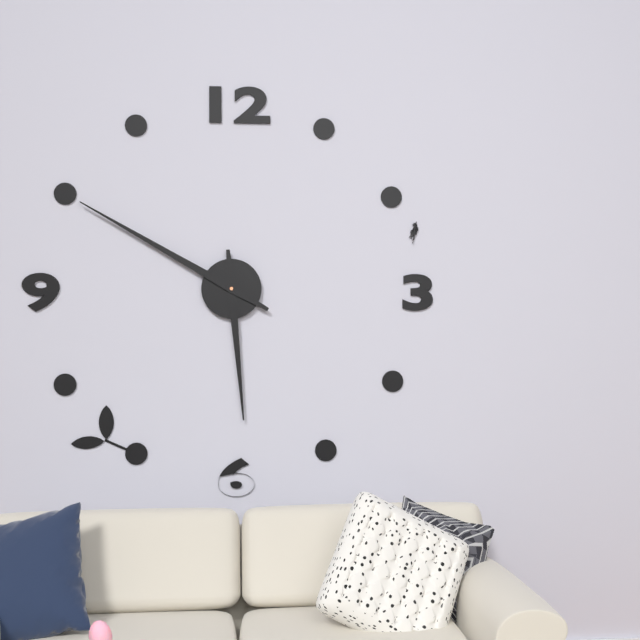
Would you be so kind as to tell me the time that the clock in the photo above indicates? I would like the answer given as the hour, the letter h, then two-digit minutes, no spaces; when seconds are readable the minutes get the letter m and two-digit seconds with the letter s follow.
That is 5h50
